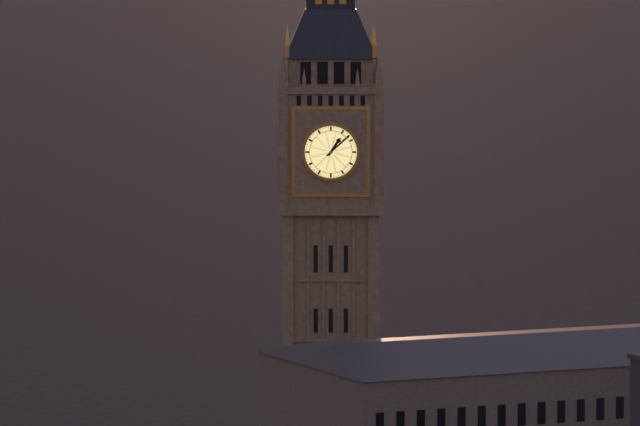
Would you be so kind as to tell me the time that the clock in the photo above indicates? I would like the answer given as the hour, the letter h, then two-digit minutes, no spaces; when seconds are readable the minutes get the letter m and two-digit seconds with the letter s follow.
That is 1h08
